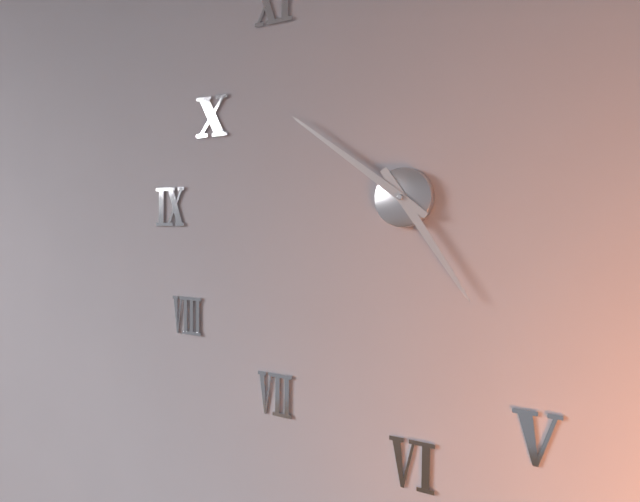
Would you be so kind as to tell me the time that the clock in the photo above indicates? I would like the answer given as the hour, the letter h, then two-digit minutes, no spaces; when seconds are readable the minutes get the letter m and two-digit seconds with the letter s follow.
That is 4h51
